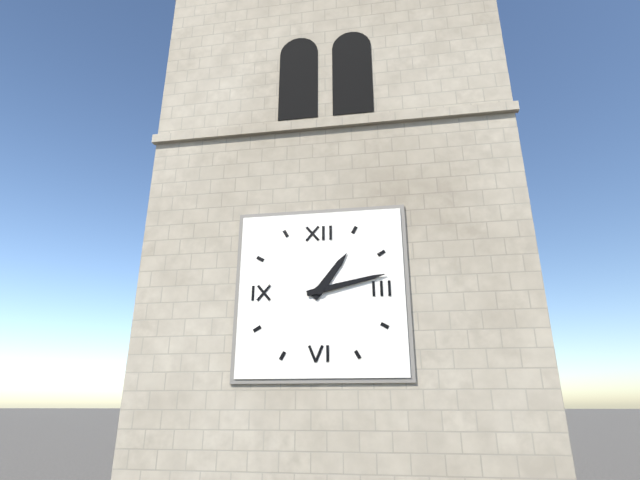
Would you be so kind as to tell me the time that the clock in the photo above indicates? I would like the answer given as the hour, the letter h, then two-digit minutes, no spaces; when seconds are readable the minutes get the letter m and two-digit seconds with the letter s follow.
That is 1h13
